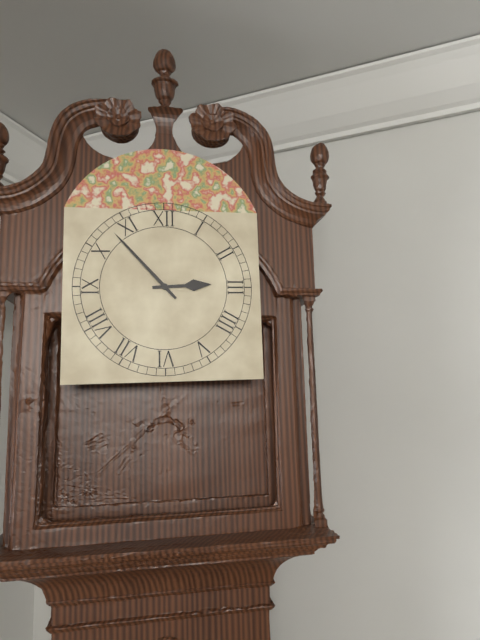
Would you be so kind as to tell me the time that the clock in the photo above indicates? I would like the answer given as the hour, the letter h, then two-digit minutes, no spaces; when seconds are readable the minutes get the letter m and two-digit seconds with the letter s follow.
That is 2h53
